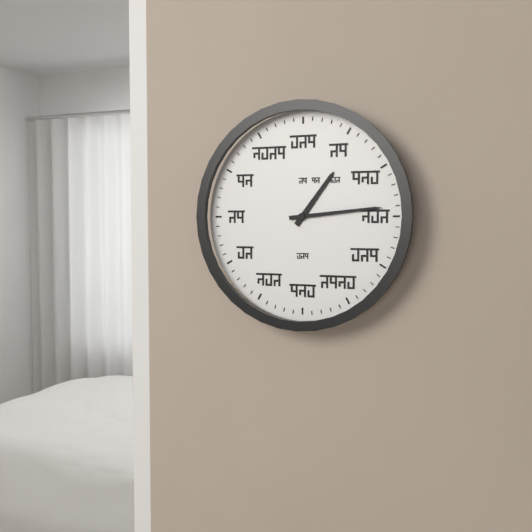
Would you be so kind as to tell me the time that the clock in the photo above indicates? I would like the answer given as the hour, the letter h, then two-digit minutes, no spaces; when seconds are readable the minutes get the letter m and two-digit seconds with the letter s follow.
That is 1h14
